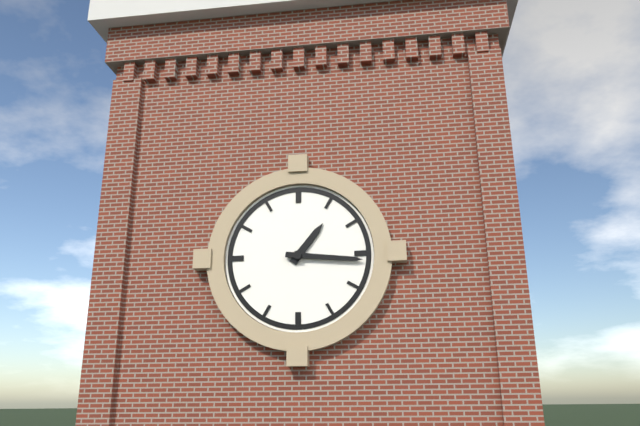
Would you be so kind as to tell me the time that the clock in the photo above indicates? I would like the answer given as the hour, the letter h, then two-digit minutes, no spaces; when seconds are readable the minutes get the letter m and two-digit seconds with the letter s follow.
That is 1h16
